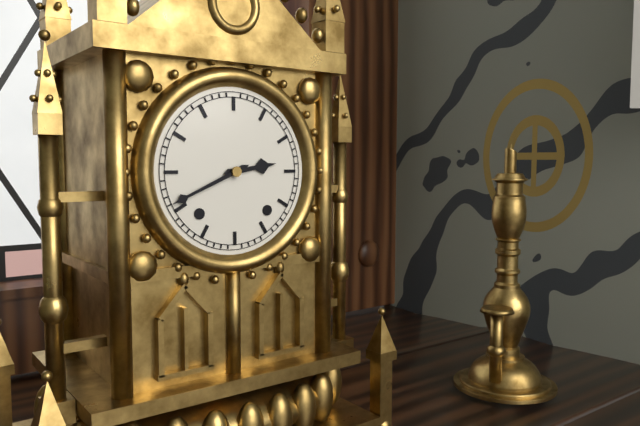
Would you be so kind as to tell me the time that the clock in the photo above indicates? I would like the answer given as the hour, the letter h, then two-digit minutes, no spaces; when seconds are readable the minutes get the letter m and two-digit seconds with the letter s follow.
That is 2h41
